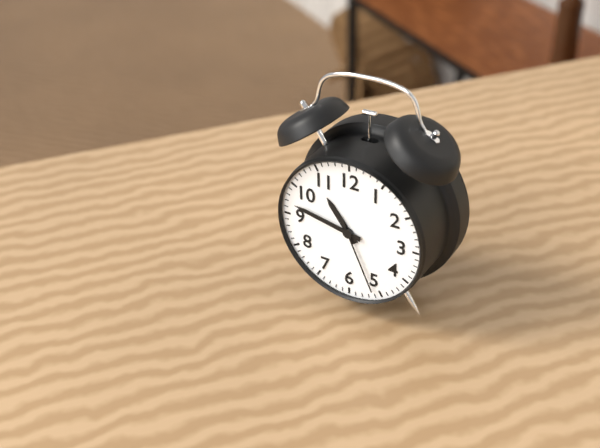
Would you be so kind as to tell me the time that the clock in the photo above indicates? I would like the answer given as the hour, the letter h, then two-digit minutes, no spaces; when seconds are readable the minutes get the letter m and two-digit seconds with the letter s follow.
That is 10h47m26s
